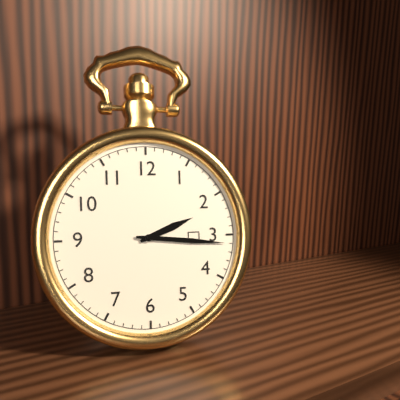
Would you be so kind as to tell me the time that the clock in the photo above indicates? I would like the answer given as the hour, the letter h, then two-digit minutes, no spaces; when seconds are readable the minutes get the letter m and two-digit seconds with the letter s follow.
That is 2h16
